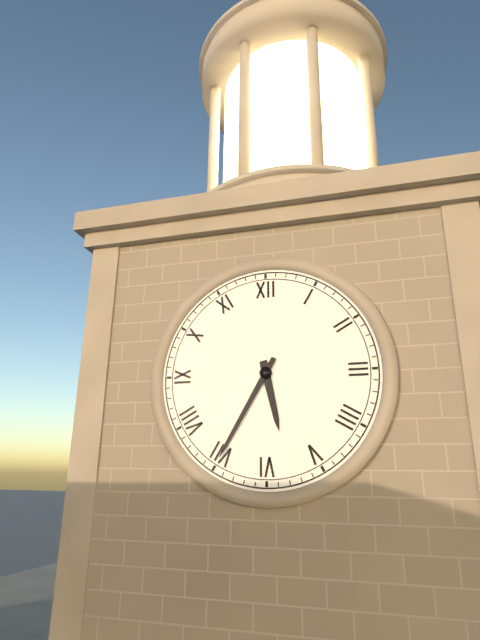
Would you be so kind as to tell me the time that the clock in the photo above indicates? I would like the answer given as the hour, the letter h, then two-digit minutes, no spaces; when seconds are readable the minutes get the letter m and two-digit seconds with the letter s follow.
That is 5h35
